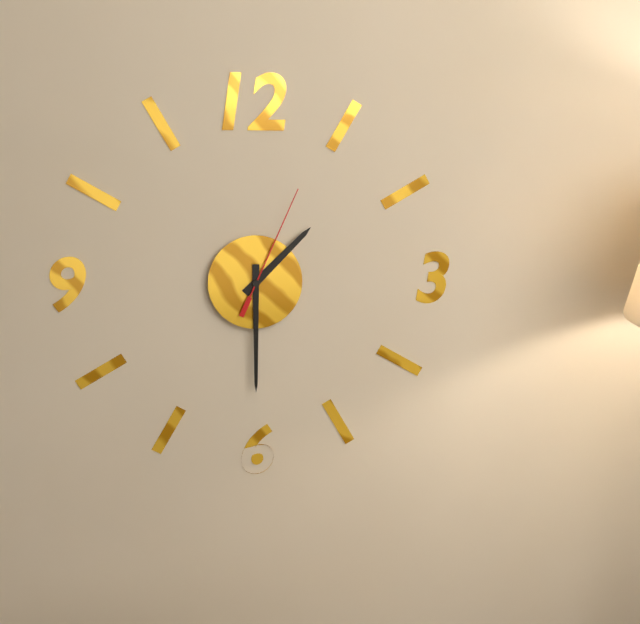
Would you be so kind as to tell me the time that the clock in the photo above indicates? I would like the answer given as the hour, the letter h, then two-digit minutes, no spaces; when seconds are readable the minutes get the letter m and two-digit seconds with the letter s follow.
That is 1h30m04s
